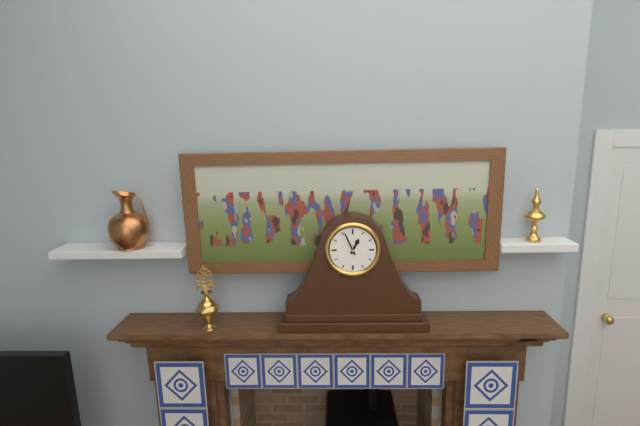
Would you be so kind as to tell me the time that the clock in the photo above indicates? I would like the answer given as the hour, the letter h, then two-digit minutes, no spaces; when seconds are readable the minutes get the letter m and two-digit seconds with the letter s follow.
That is 12h56
